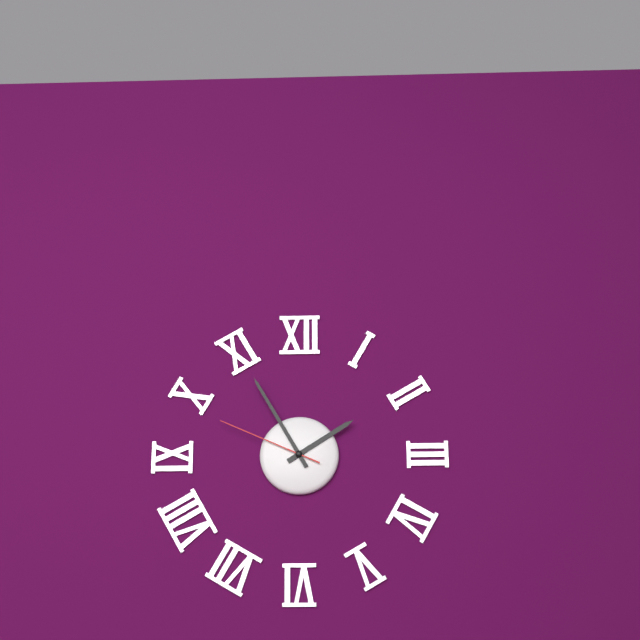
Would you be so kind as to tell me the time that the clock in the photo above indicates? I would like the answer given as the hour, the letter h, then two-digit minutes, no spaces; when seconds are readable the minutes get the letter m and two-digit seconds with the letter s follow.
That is 1h55m49s
